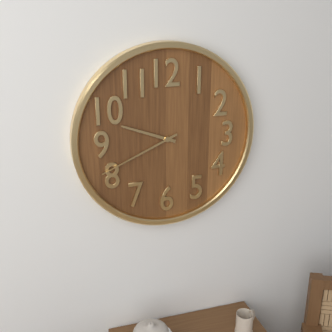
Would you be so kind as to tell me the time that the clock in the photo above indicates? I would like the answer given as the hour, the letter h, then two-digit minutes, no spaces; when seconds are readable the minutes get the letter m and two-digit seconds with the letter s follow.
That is 9h41
